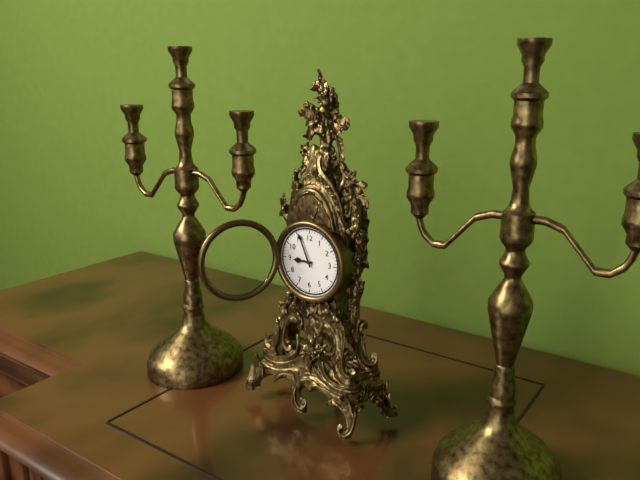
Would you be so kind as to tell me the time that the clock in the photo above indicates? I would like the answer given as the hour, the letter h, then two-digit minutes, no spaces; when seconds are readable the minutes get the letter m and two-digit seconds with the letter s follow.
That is 8h56
